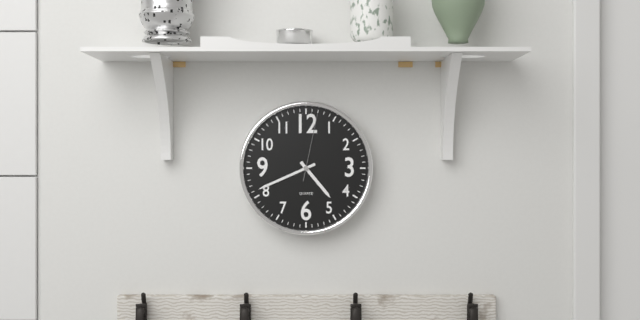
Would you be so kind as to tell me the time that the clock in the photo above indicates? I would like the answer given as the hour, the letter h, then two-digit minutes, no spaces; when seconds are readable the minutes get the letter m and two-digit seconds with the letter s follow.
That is 4h41m02s
